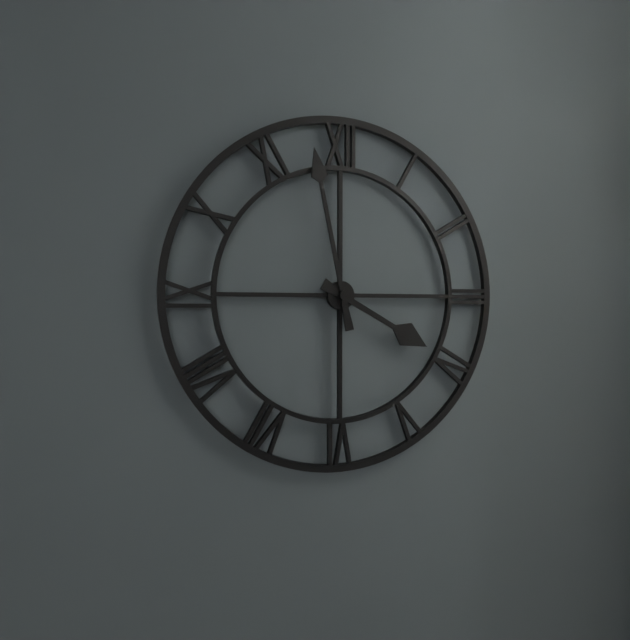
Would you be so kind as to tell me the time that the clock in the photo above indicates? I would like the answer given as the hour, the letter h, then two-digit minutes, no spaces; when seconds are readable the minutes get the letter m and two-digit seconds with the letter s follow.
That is 3h58
